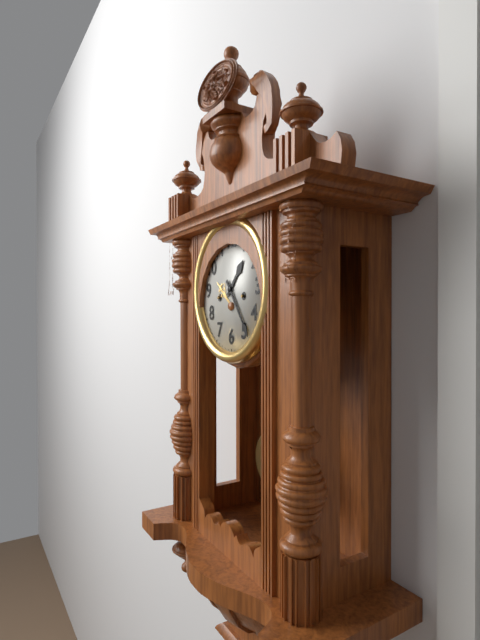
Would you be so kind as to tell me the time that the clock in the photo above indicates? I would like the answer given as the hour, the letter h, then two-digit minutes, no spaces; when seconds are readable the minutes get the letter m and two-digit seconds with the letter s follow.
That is 1h24
